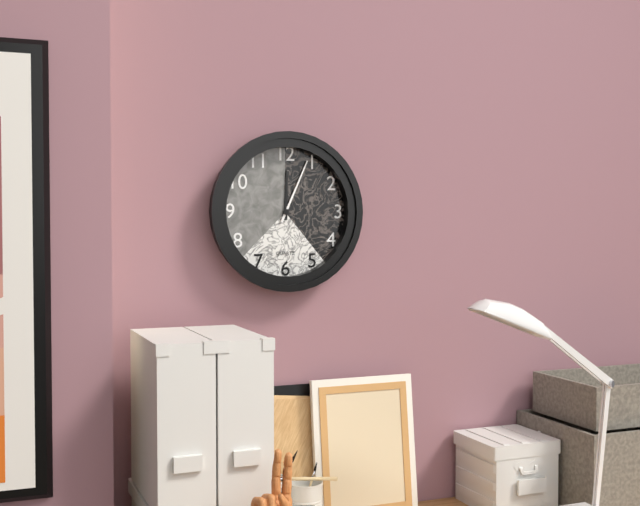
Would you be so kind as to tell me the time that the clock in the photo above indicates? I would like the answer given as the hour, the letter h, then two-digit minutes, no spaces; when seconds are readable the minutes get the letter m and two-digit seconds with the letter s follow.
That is 12h04
